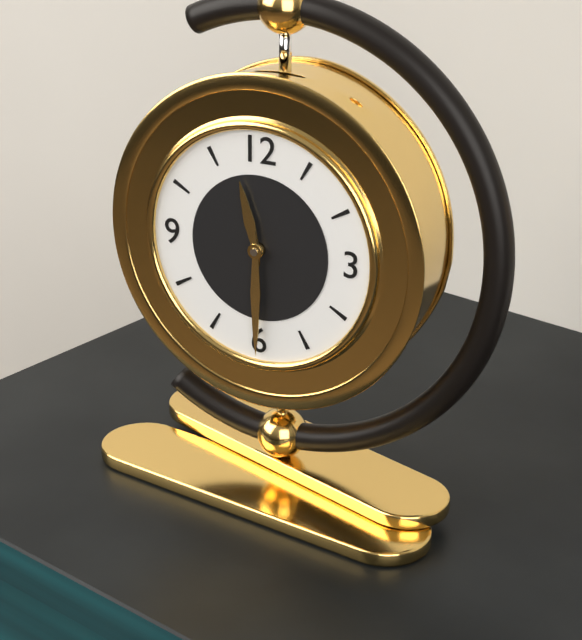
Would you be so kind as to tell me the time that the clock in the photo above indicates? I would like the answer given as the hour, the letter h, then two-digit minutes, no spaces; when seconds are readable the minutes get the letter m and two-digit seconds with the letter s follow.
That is 11h30
